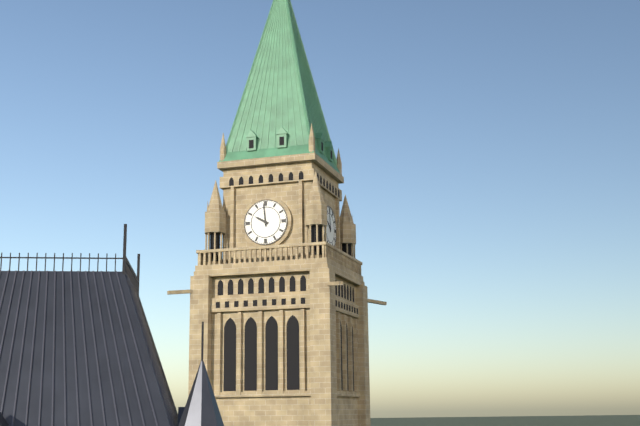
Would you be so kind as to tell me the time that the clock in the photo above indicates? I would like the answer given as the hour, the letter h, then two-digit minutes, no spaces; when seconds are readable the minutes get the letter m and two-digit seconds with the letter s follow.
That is 9h59
